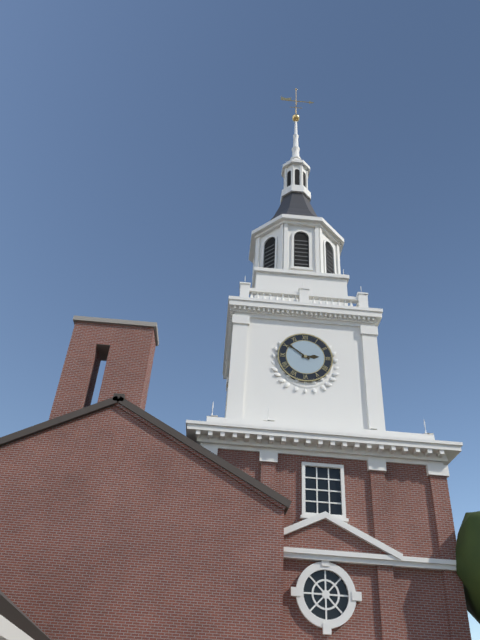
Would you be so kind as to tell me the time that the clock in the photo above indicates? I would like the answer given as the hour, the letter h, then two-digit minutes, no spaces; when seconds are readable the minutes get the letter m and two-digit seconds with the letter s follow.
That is 2h51
